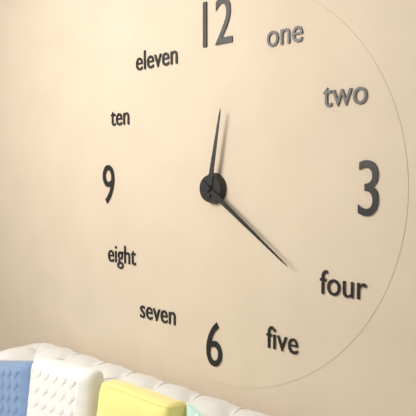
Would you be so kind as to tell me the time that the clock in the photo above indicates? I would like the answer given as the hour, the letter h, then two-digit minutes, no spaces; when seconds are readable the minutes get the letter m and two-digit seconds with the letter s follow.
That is 12h21
